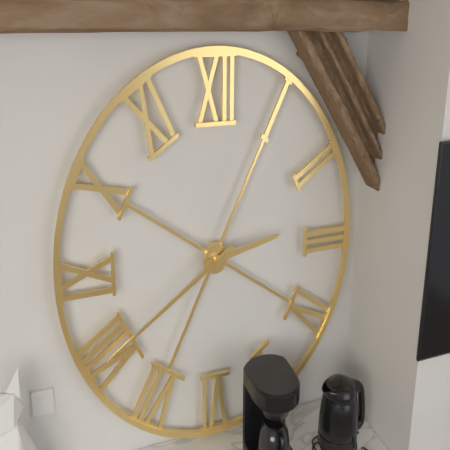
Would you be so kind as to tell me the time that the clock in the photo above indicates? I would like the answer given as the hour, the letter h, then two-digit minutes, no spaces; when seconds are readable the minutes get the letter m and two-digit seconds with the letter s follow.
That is 2h40
